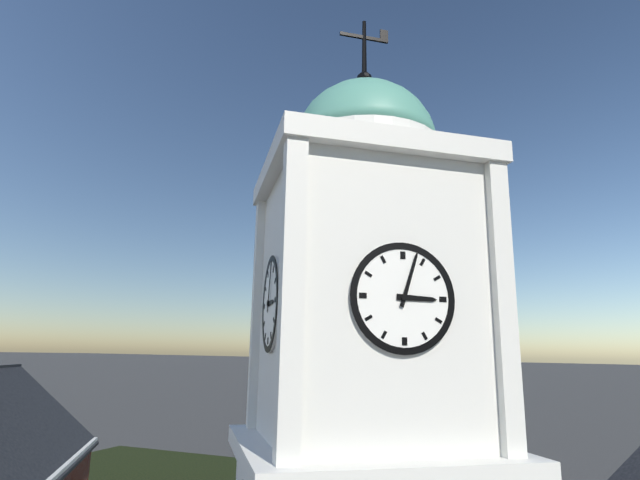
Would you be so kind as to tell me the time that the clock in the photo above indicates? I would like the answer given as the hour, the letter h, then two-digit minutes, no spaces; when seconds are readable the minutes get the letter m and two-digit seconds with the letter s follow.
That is 3h03
